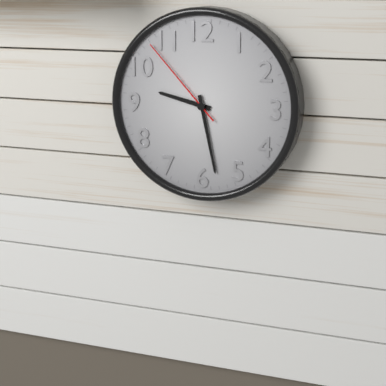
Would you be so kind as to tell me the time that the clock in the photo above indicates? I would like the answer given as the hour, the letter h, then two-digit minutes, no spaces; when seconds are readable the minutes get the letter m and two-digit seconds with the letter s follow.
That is 9h28m53s
